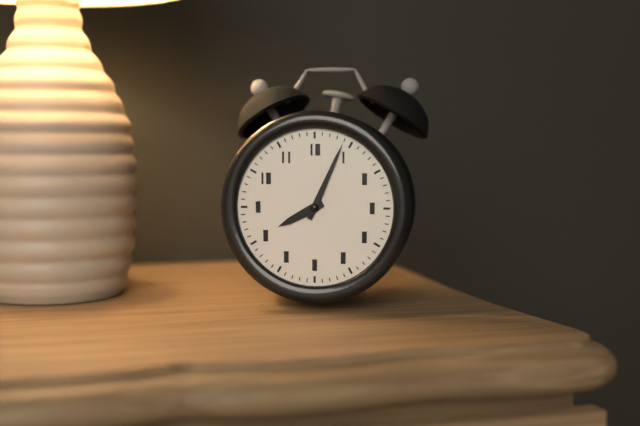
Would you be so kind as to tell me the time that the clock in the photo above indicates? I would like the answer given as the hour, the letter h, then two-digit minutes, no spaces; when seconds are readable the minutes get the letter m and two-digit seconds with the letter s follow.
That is 8h04
